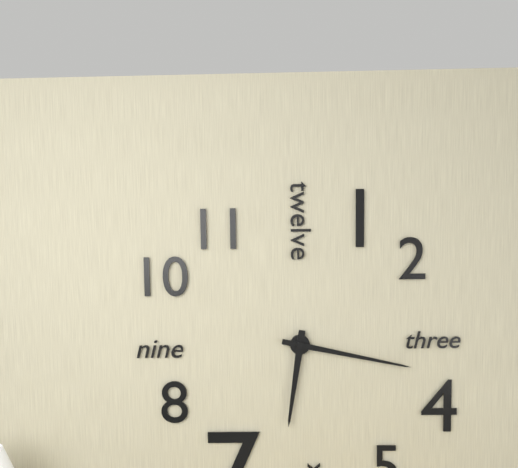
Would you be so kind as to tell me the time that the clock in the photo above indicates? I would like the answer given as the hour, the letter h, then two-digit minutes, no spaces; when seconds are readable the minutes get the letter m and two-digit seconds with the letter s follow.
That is 6h17
